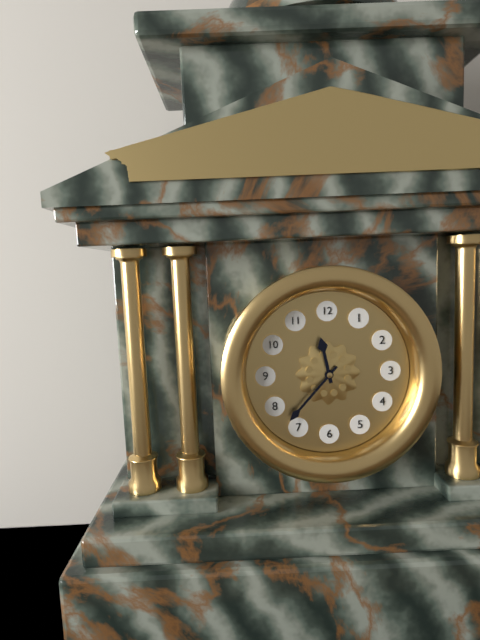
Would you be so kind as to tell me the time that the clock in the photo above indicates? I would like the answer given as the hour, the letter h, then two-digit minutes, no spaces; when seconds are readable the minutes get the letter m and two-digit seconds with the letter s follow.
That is 11h37
